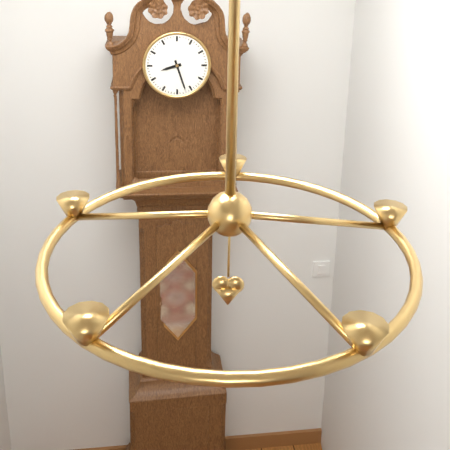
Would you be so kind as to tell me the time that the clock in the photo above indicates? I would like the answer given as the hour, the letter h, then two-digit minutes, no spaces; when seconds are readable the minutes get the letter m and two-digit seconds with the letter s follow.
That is 8h27
